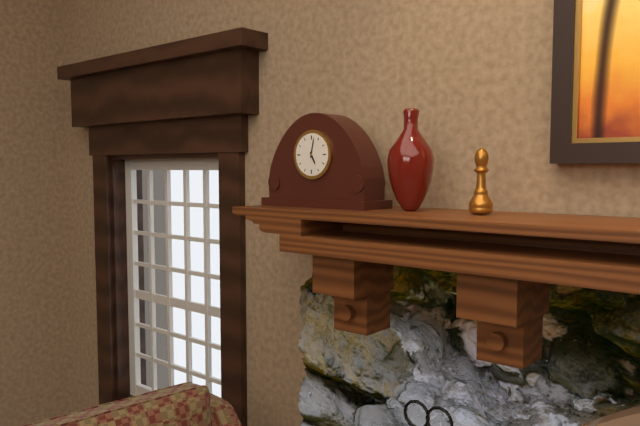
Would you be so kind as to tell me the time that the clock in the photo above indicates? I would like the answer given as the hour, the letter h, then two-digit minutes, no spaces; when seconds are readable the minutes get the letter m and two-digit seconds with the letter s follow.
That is 5h02
